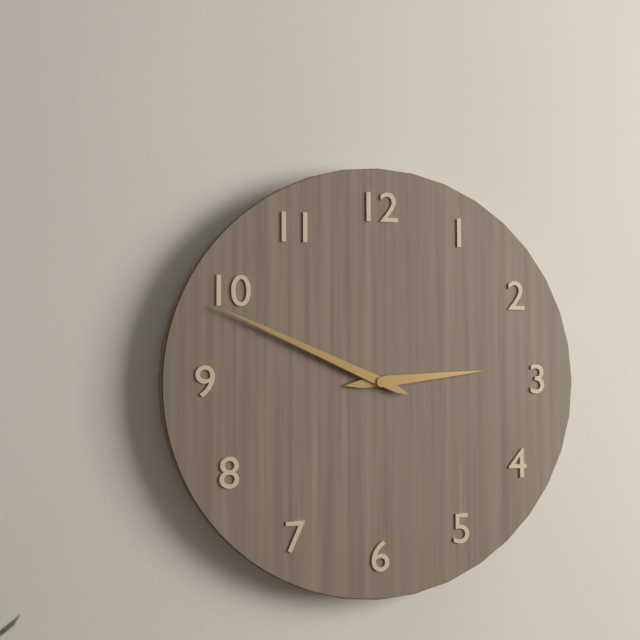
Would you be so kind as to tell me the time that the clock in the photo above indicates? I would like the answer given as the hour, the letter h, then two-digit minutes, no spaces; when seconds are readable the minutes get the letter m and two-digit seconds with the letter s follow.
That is 2h49
